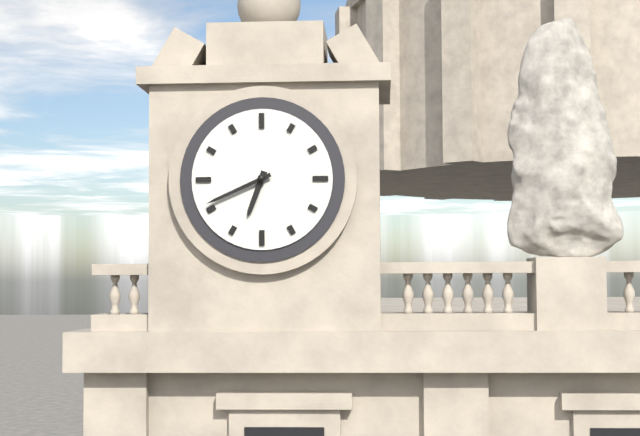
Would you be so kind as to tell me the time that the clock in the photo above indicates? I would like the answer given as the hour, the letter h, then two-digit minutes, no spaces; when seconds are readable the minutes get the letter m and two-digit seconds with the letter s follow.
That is 6h41
